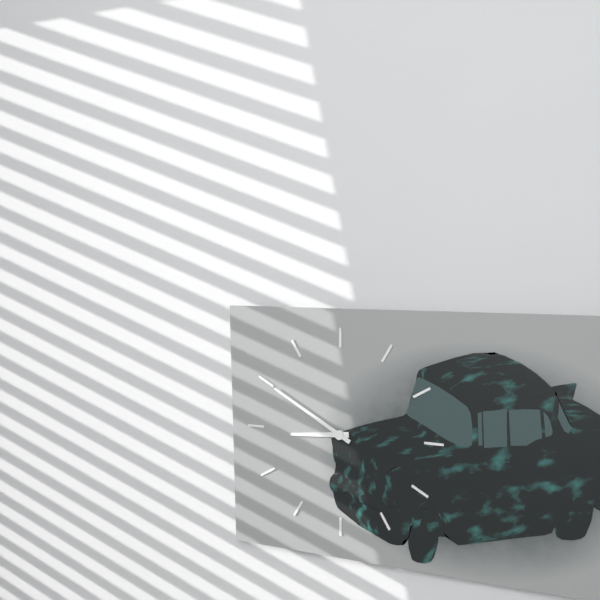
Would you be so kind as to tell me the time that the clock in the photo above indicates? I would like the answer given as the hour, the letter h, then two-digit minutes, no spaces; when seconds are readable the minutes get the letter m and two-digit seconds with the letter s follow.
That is 8h50
